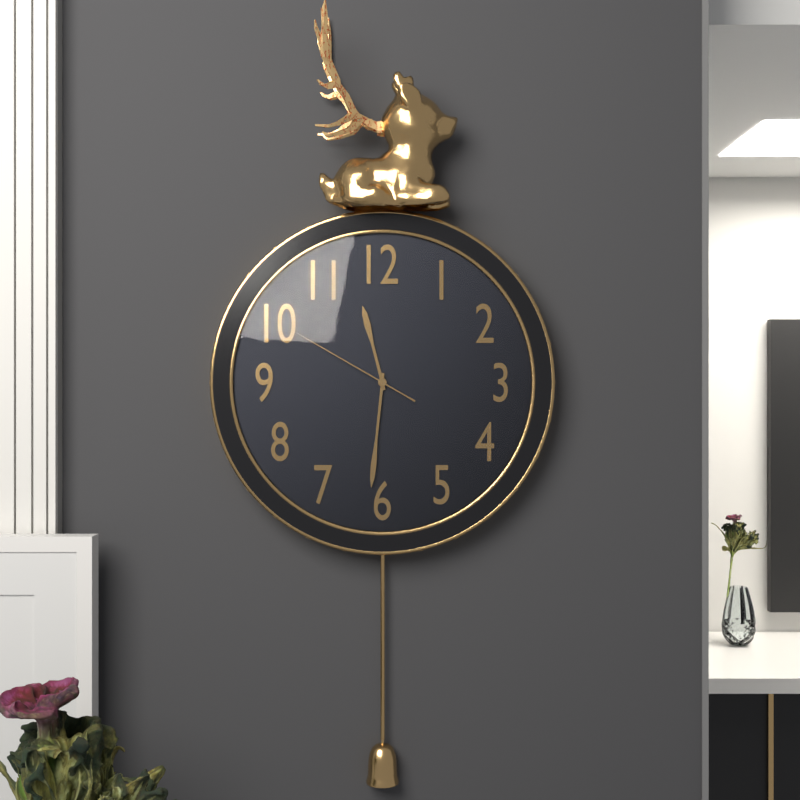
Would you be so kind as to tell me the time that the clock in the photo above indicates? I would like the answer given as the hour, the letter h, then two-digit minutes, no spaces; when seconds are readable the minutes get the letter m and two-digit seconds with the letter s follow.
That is 11h31m50s
